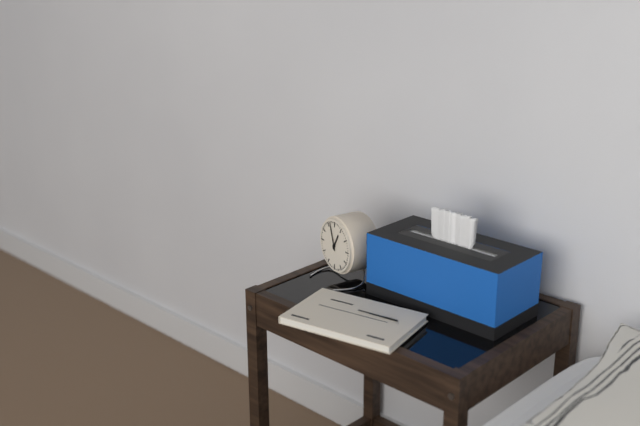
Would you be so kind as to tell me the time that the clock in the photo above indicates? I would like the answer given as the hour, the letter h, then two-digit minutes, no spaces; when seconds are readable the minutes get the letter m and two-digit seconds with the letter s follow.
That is 12h57
